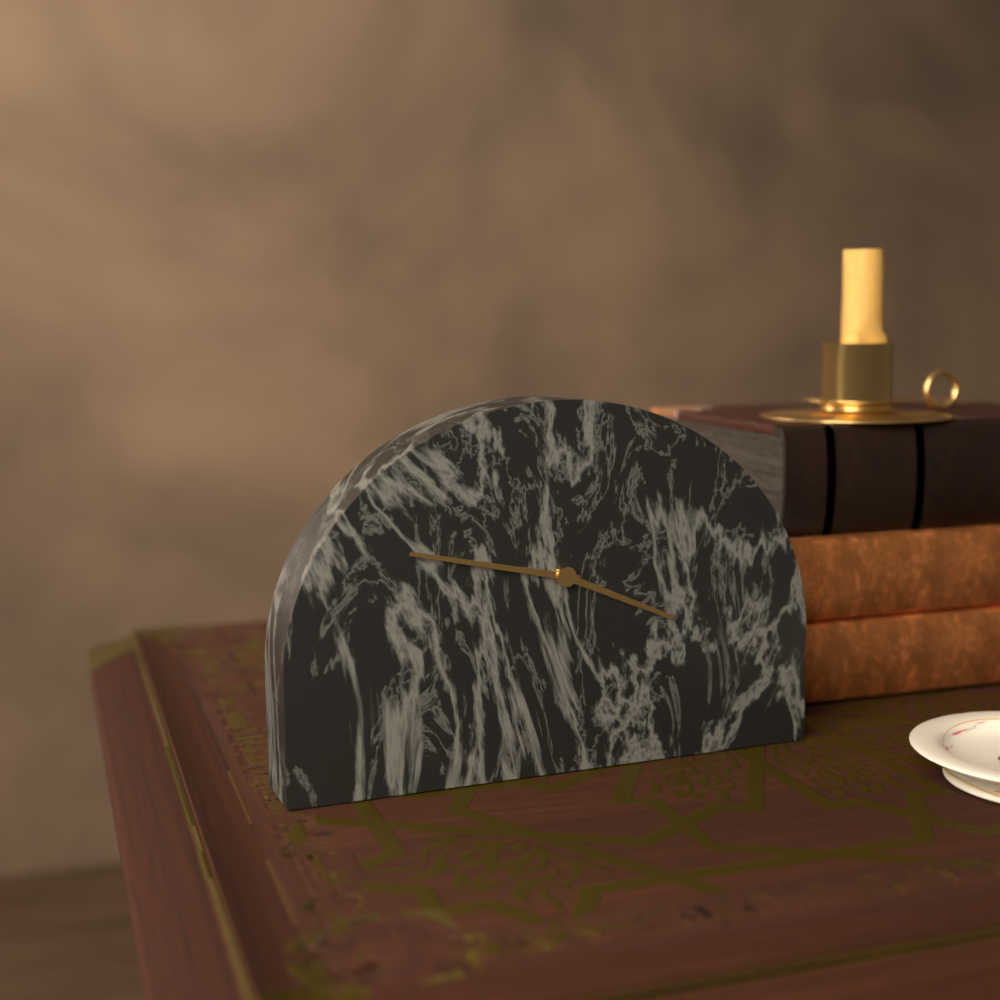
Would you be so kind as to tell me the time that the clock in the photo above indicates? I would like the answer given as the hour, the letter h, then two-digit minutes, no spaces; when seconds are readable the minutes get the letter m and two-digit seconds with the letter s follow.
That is 3h47
